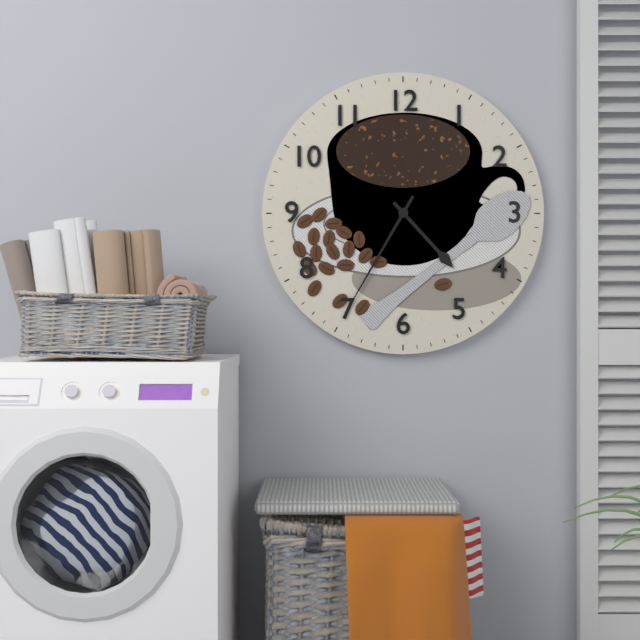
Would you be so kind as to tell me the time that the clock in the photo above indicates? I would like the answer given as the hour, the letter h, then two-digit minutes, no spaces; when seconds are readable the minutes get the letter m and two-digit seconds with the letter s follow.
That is 4h35
